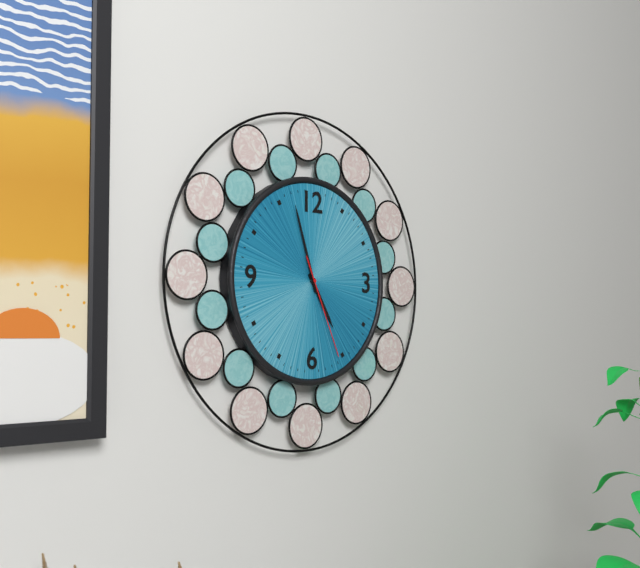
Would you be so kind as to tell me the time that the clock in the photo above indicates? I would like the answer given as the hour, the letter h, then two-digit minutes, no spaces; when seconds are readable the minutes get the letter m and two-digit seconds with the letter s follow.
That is 4h57m26s
